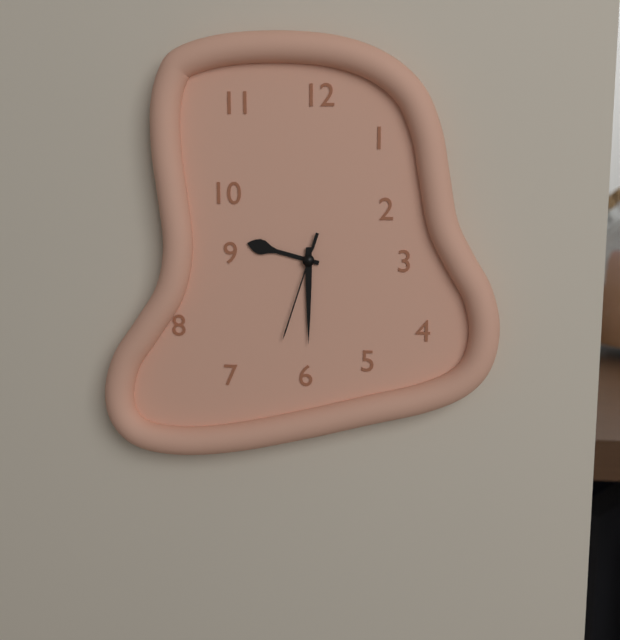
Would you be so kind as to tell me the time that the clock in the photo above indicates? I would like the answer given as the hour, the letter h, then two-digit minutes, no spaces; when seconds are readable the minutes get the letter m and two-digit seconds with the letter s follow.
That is 9h30m33s
